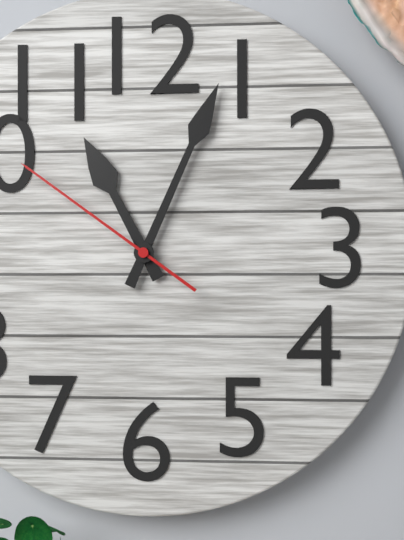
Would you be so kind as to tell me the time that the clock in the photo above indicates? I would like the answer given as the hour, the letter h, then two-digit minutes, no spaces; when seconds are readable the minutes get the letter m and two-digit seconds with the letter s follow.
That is 11h04m51s
